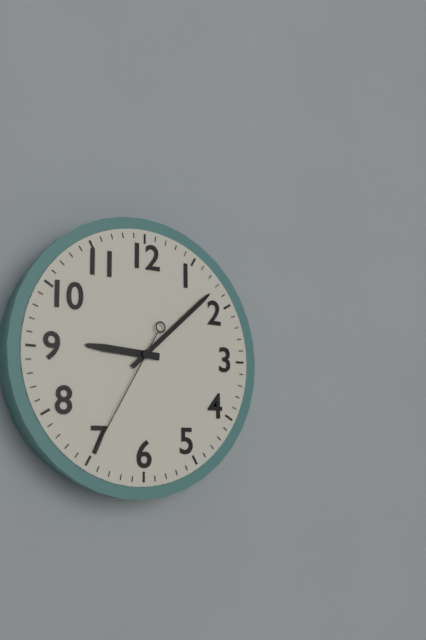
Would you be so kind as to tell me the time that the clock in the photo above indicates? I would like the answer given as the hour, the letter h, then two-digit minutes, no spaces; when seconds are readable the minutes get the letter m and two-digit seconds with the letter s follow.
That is 9h08m35s
